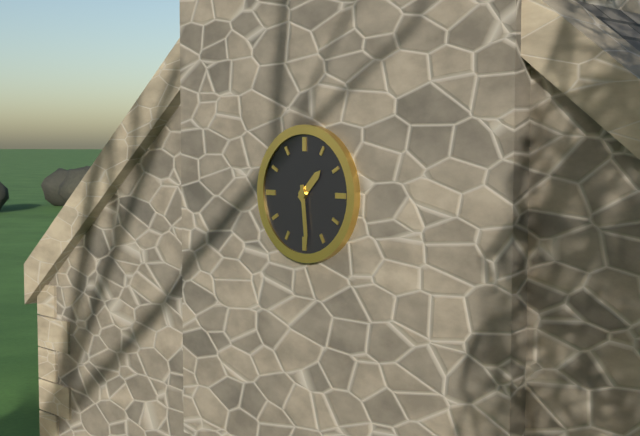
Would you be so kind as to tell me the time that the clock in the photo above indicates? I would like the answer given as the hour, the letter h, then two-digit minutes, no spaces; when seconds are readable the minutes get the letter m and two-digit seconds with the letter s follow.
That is 1h29
